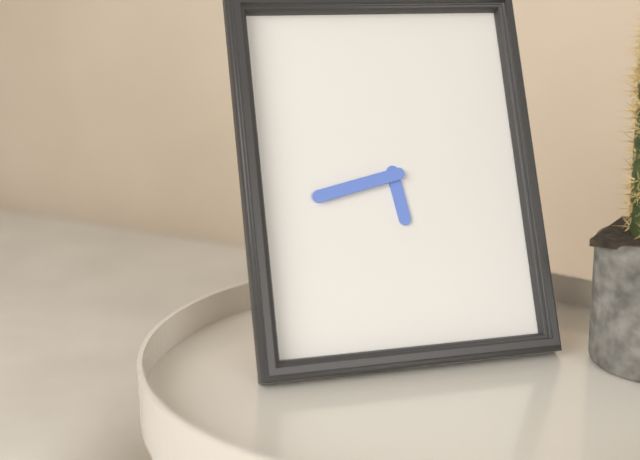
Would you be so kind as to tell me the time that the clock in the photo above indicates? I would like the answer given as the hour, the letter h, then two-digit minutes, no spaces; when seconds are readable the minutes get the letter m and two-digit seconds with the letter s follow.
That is 5h43
